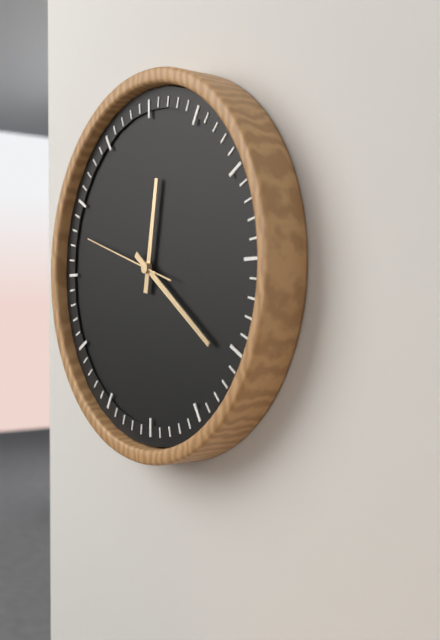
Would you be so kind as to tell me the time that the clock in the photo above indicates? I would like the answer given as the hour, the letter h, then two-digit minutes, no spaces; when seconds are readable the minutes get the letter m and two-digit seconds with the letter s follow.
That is 12h21m48s
